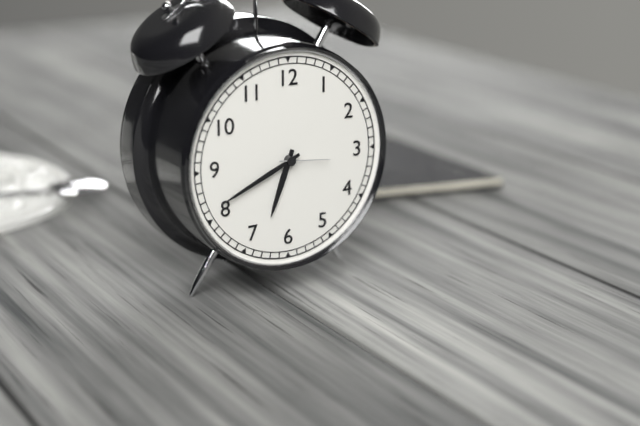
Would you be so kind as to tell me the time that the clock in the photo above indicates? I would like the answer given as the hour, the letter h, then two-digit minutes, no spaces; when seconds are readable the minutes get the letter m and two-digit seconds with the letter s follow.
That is 6h41
